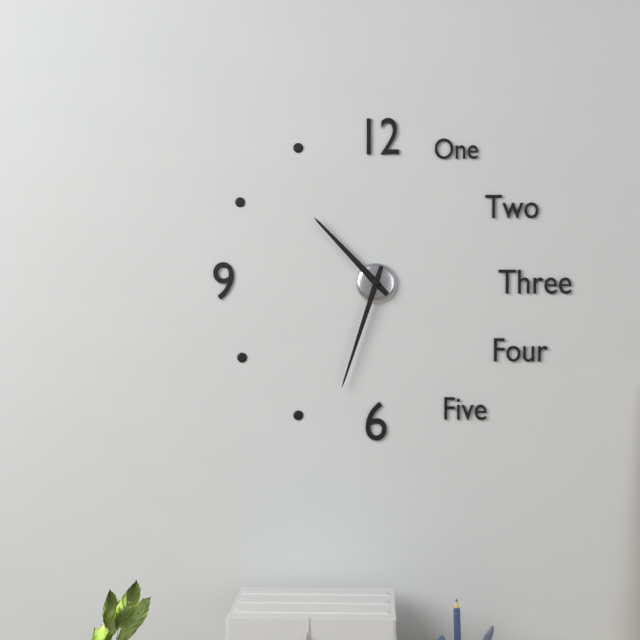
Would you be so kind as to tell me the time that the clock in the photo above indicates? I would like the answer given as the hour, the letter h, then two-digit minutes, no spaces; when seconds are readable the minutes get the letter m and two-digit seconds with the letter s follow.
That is 10h33
